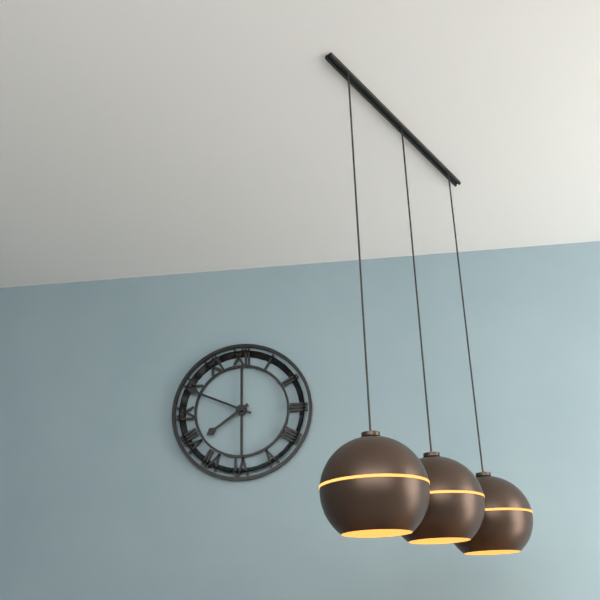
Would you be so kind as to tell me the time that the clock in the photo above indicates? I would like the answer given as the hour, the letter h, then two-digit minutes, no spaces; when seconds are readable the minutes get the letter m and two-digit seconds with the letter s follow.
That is 7h49
